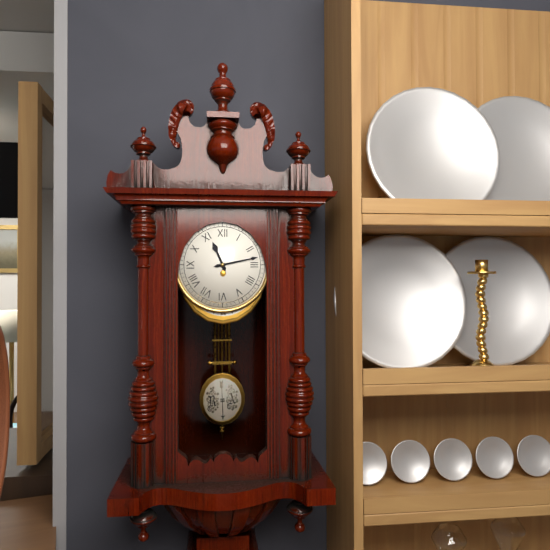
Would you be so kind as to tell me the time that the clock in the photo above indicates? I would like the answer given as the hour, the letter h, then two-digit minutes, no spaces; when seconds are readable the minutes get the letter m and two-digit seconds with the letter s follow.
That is 11h13
